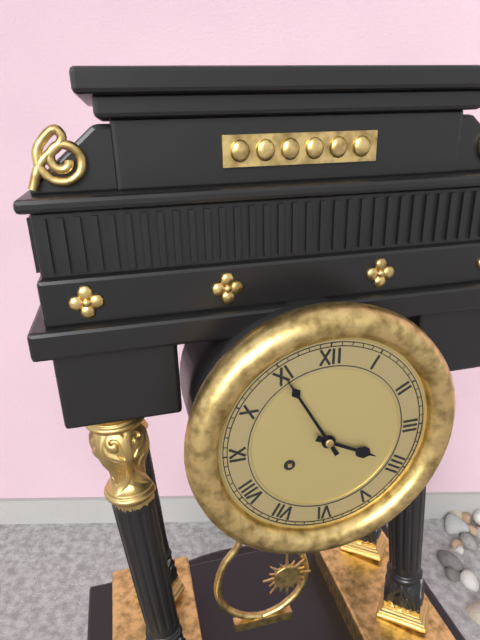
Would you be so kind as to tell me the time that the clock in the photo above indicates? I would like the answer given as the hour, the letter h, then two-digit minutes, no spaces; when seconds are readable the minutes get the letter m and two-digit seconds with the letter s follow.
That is 3h55
